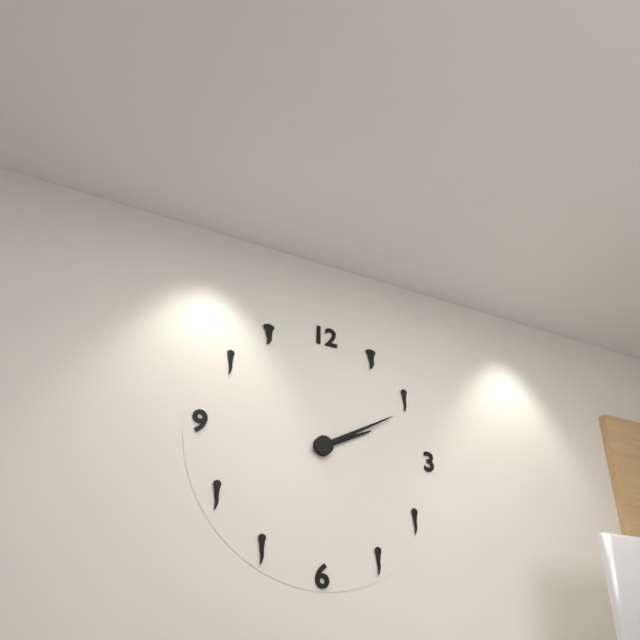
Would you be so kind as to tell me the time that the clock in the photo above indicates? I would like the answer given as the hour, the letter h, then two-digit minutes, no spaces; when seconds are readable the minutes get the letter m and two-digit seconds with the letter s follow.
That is 2h10
